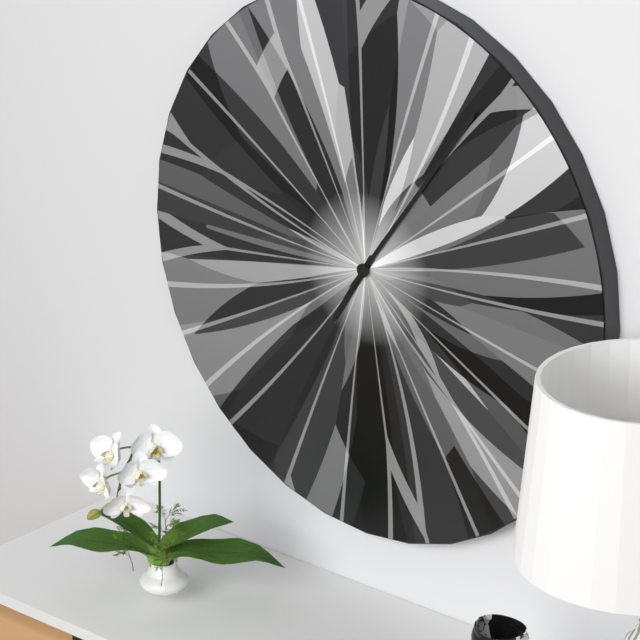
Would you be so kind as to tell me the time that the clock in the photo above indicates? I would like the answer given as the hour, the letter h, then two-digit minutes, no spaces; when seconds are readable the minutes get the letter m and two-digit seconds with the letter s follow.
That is 7h06
